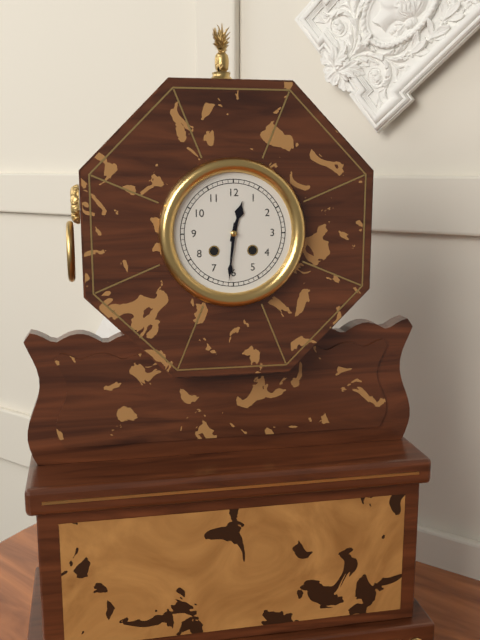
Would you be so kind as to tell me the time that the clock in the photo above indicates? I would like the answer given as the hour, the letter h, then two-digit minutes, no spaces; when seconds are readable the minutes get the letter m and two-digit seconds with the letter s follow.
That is 12h31
